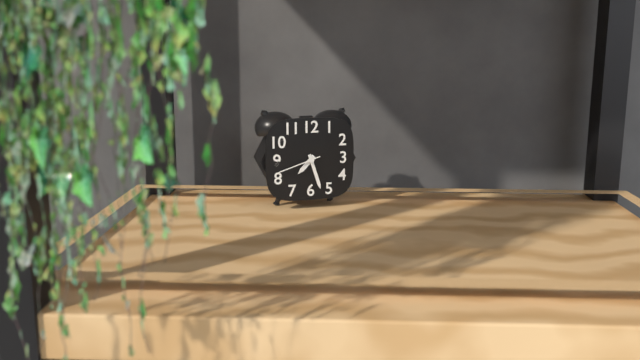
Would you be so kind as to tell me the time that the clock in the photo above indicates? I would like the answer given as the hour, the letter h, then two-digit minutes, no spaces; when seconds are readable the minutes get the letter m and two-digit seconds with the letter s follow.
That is 7h27
